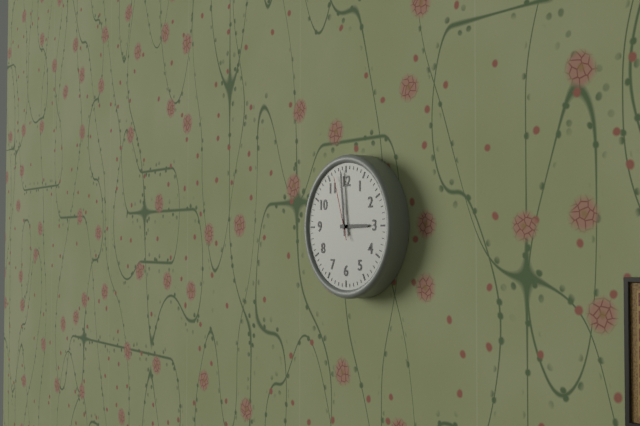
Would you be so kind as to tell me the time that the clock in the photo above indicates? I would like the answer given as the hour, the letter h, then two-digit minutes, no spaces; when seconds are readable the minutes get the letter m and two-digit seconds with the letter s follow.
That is 2h59m57s
